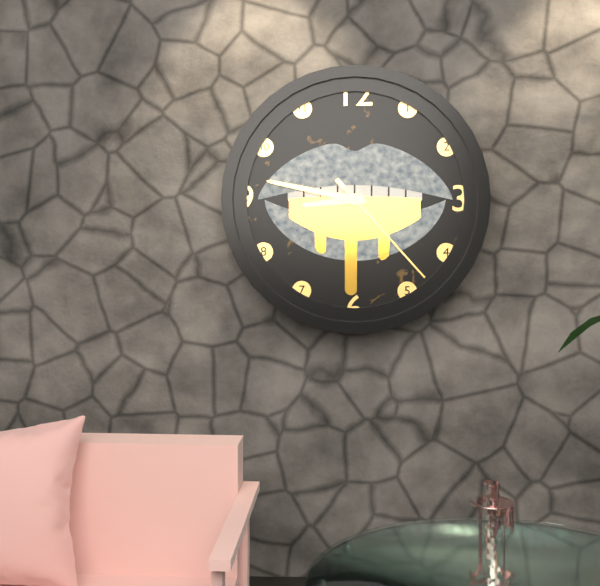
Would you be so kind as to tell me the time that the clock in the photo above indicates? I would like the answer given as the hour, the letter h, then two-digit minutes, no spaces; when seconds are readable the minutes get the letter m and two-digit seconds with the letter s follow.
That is 8h47m23s
